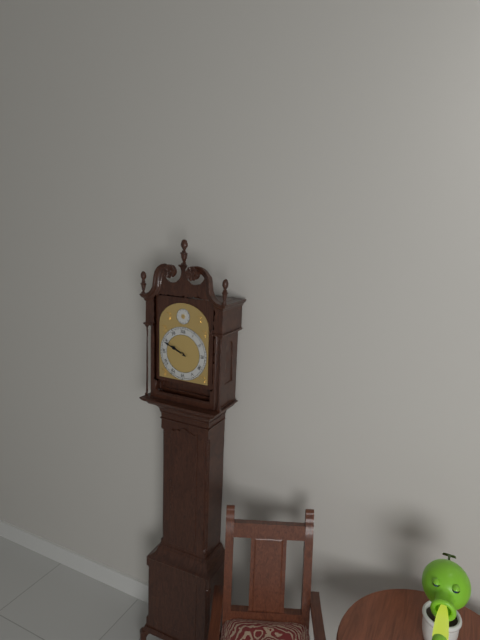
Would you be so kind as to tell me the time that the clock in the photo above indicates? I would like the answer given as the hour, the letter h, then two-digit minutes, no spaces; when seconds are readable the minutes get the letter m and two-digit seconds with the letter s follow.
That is 9h49
